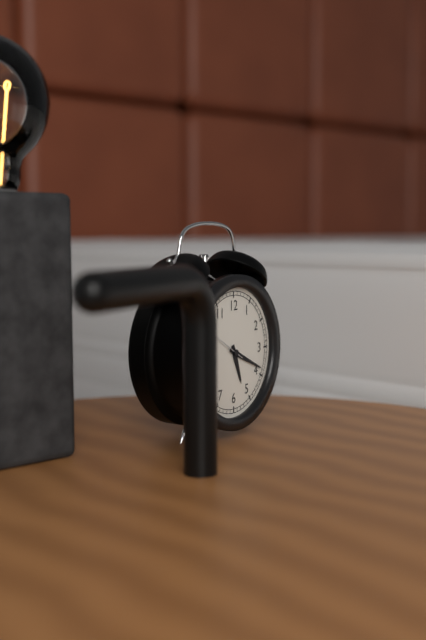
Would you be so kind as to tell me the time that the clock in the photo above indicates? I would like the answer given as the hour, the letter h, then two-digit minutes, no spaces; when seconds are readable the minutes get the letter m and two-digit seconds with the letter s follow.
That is 5h19
